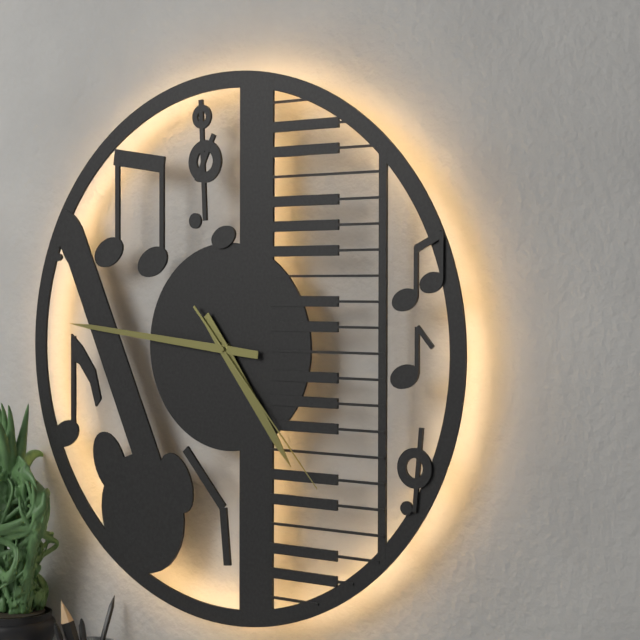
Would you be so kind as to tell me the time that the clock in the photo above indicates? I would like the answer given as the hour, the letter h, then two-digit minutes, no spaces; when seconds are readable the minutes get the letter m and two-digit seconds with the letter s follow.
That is 4h46m23s
